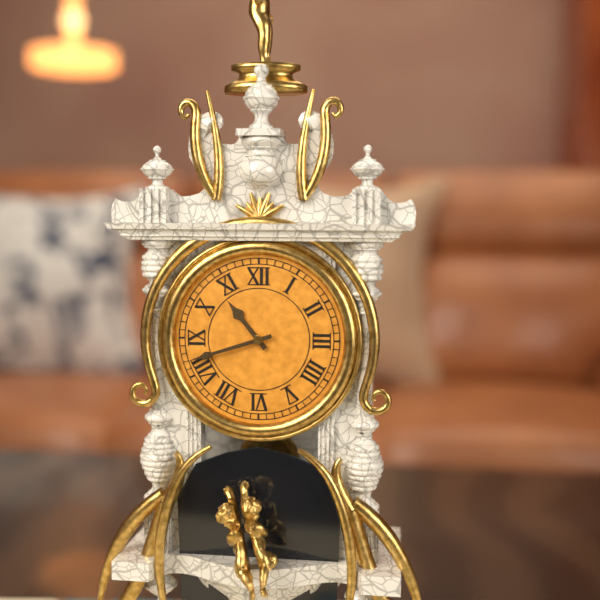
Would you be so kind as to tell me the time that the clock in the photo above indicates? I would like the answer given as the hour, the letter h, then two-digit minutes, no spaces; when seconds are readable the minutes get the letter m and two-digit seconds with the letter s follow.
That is 10h42
